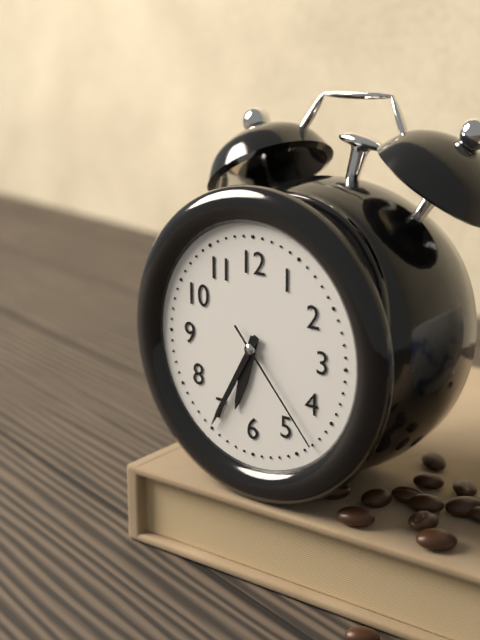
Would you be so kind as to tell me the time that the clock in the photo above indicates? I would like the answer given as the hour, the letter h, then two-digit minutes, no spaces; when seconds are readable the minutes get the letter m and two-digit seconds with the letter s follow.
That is 6h35m23s
